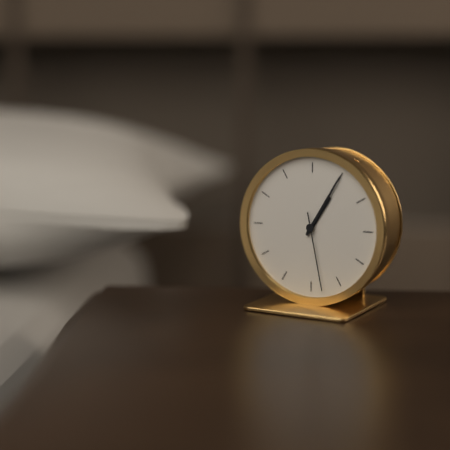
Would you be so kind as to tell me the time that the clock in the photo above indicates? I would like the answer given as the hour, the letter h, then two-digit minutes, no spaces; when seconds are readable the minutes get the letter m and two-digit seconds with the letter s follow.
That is 1h05m28s
